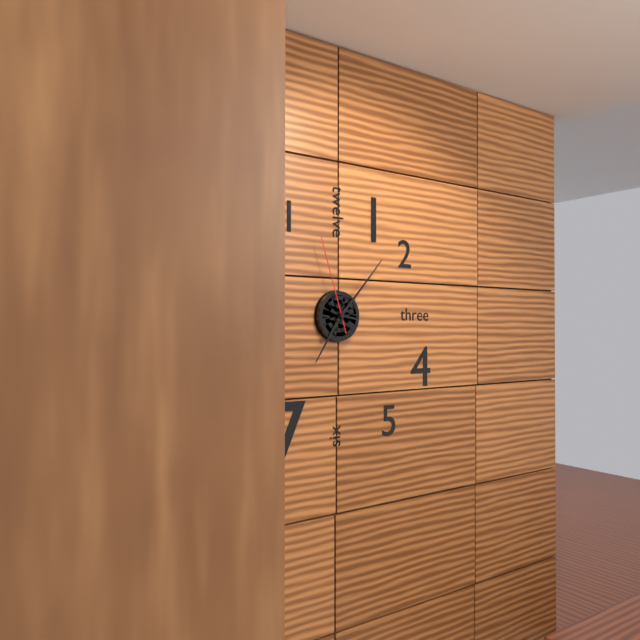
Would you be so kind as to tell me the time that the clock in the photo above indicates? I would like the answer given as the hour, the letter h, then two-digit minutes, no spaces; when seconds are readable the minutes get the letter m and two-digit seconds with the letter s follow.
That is 7h07m57s
